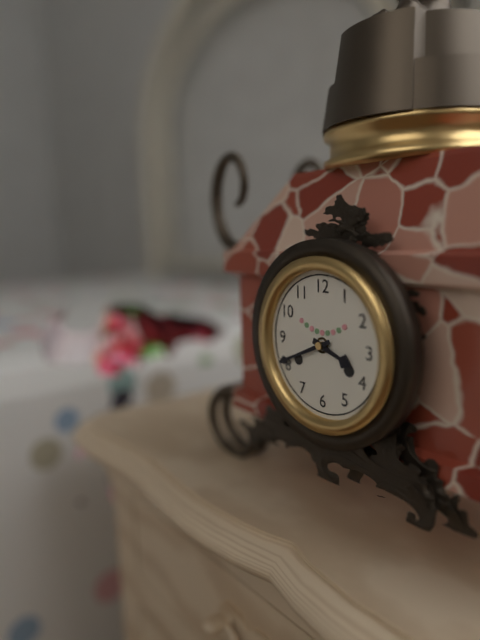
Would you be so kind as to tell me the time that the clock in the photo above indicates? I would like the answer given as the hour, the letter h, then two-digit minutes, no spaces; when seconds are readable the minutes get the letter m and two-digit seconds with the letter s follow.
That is 3h41
